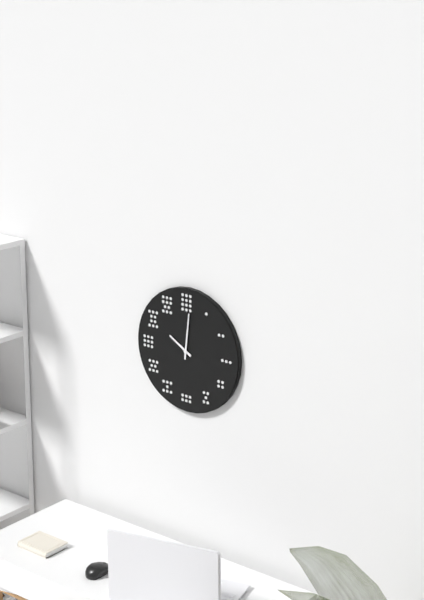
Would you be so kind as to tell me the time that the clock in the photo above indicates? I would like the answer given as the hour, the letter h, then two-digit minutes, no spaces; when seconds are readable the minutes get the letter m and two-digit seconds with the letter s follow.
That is 10h01
